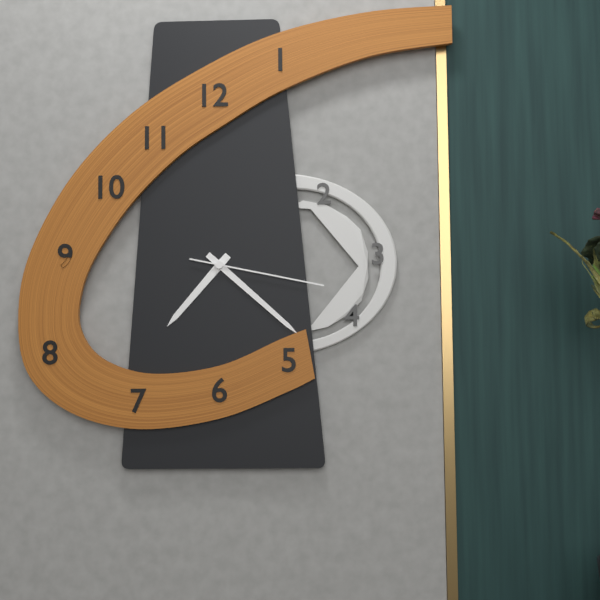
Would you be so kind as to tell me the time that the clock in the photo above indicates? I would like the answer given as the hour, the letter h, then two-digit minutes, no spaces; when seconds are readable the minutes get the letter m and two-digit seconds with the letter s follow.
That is 7h22m17s
